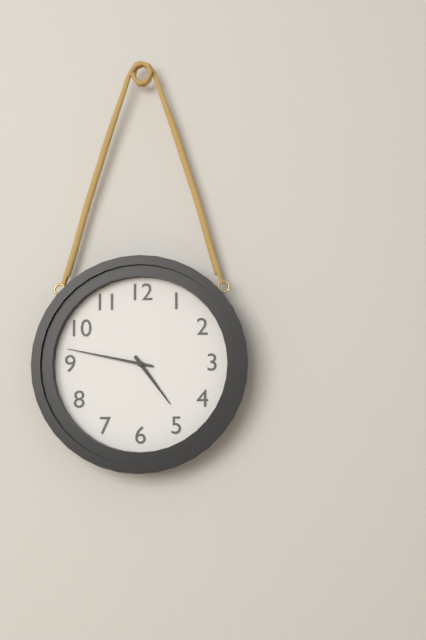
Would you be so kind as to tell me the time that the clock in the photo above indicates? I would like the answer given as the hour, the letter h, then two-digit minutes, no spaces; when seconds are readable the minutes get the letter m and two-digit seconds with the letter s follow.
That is 4h47
